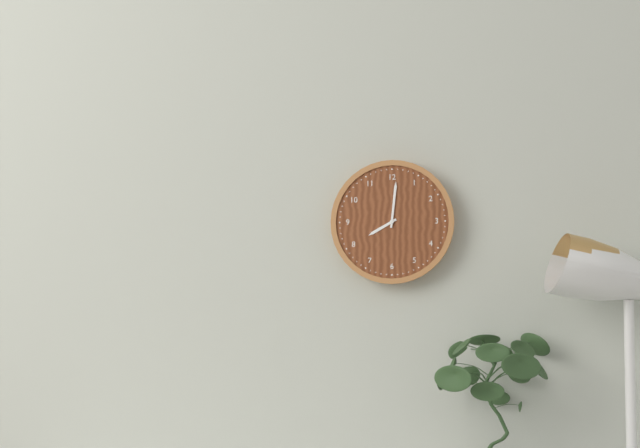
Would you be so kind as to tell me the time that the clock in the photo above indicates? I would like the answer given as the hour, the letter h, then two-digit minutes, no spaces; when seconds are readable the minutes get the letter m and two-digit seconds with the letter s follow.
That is 8h01
